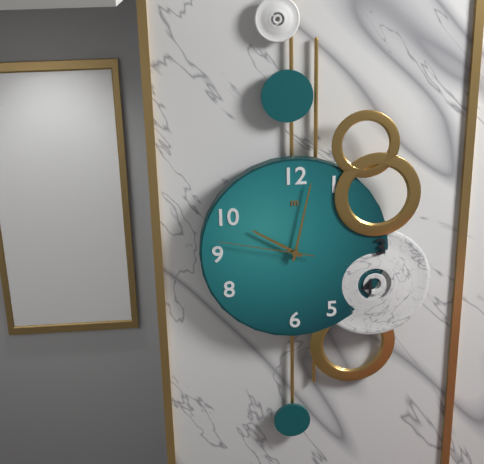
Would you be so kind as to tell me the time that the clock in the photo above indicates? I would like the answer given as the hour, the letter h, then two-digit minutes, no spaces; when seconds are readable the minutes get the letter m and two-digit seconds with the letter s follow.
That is 10h02m47s
